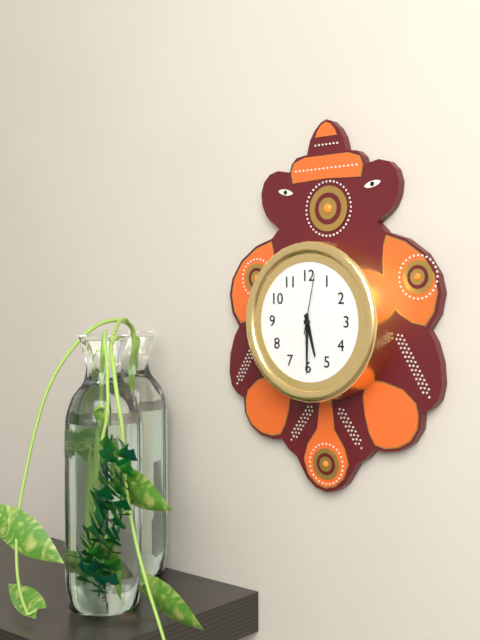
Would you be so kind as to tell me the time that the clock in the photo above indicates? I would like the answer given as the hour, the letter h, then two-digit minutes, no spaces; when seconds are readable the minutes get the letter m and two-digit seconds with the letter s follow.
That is 5h30m02s
